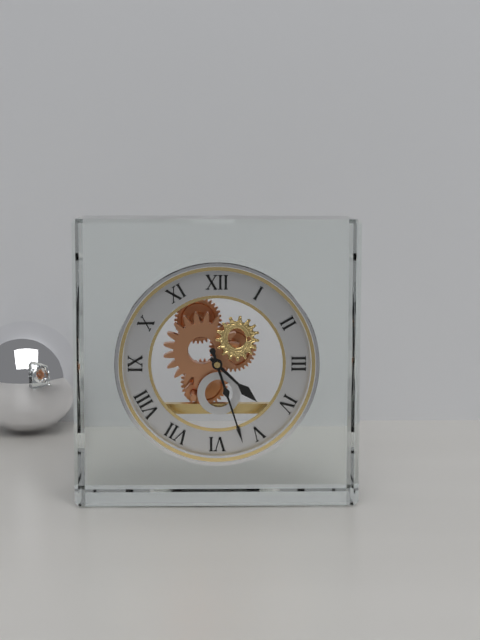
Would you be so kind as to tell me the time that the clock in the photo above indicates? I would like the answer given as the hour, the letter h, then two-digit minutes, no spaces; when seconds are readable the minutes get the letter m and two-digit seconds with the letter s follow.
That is 4h27
